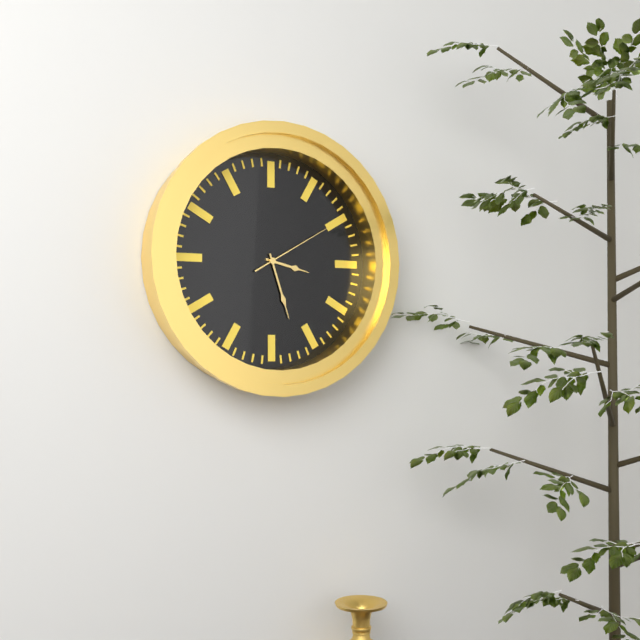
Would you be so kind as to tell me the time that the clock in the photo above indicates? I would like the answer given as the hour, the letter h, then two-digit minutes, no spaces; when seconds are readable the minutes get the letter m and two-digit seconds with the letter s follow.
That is 3h27m10s
